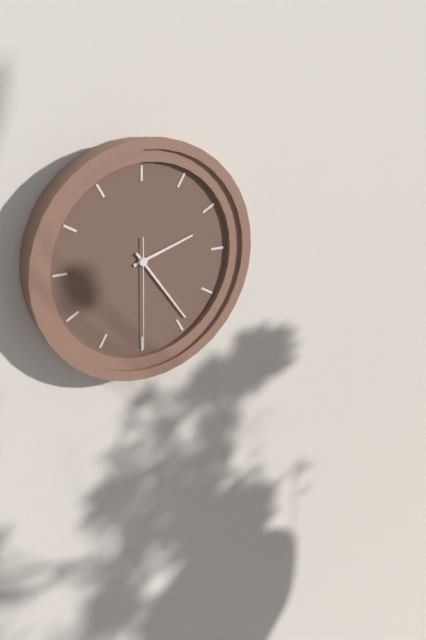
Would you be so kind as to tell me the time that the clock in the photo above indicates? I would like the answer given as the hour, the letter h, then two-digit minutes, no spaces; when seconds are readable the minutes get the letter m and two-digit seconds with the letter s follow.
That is 2h24m30s
